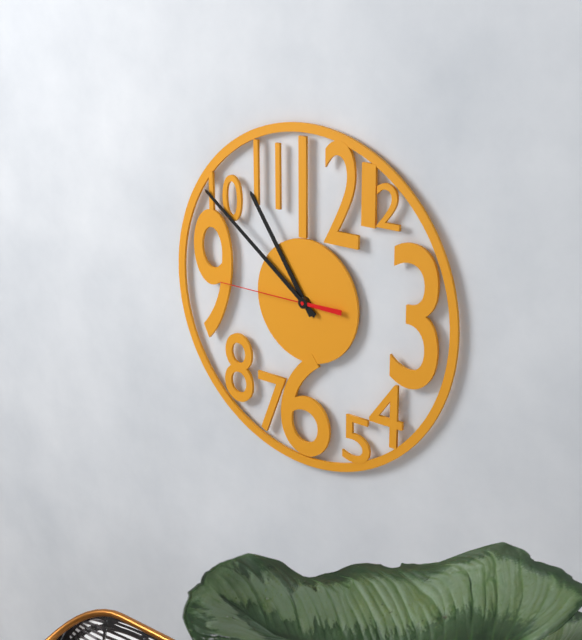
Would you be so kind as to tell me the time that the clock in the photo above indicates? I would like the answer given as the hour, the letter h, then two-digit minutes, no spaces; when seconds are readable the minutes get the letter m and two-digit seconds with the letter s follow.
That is 10h51m45s
